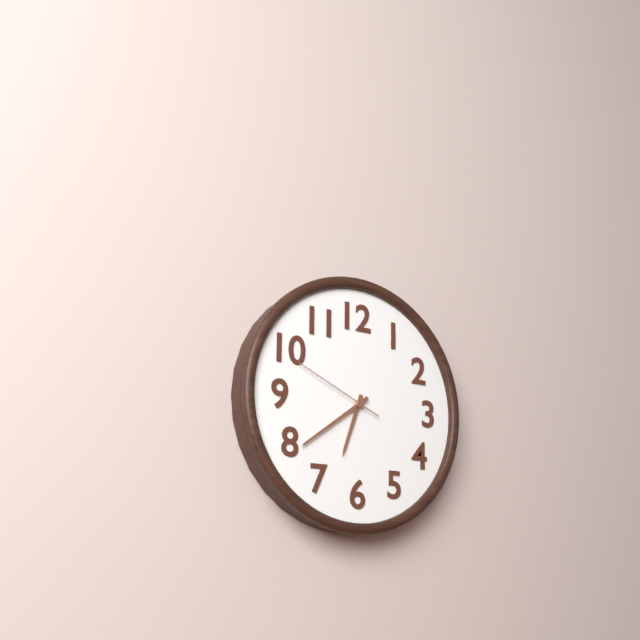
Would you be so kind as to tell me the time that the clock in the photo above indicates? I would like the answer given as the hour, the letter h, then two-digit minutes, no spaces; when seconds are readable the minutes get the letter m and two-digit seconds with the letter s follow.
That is 6h39m49s
